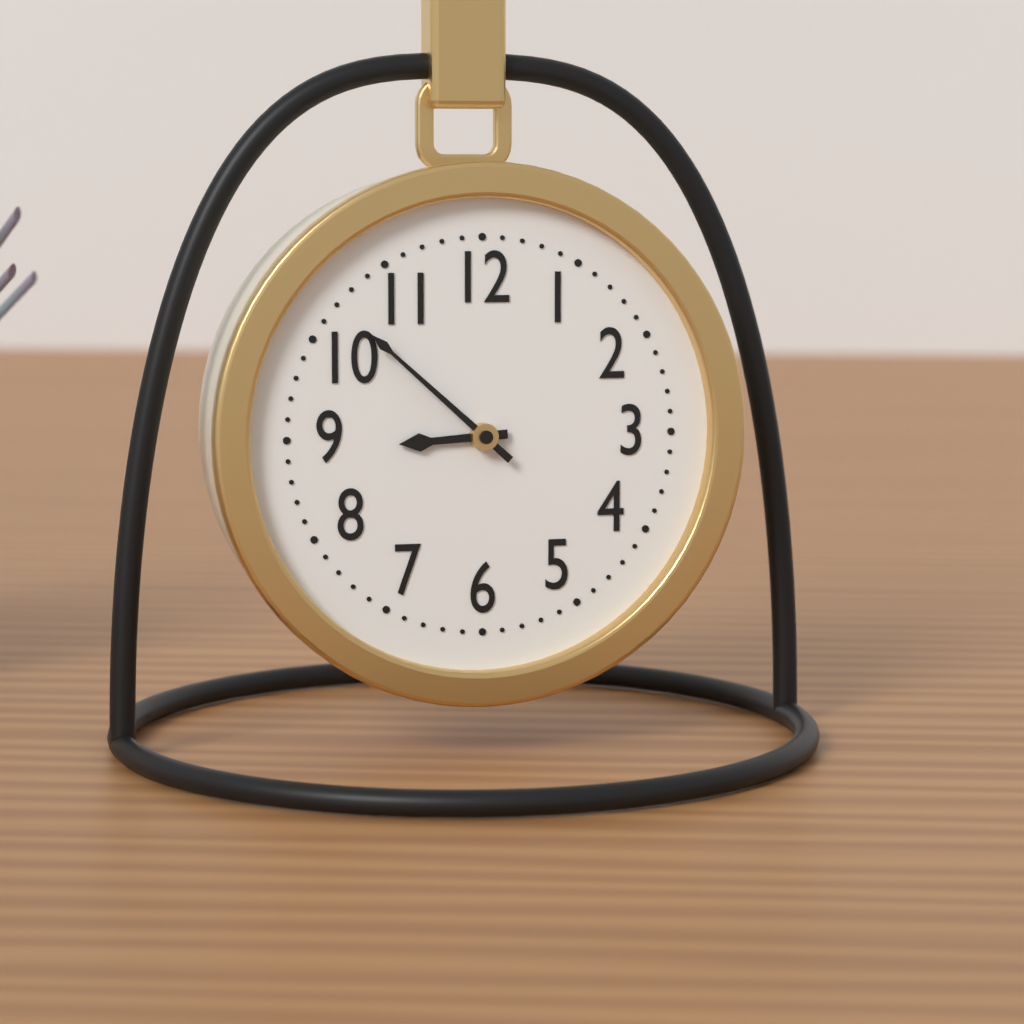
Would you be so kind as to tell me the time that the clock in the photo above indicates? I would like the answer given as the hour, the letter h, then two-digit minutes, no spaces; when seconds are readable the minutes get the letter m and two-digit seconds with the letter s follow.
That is 8h52
